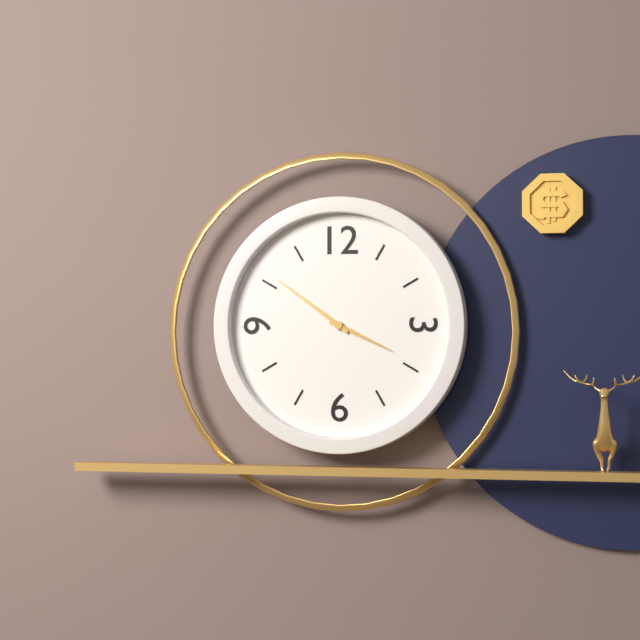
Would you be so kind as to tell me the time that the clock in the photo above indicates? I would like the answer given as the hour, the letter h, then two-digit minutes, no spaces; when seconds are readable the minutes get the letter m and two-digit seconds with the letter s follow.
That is 3h51
